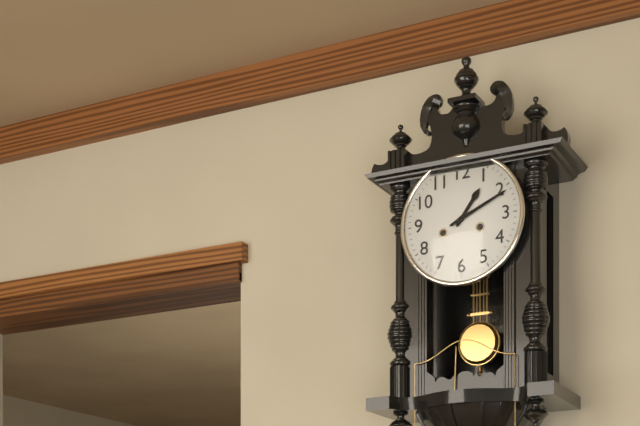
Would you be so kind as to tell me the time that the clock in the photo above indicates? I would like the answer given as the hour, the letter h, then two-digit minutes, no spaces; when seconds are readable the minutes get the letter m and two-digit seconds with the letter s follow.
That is 1h11
